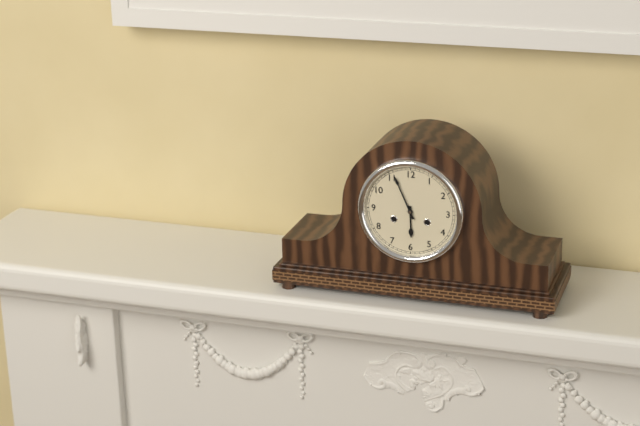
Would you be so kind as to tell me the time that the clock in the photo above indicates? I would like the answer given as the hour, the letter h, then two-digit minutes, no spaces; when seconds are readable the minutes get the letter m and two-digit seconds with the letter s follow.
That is 5h56
